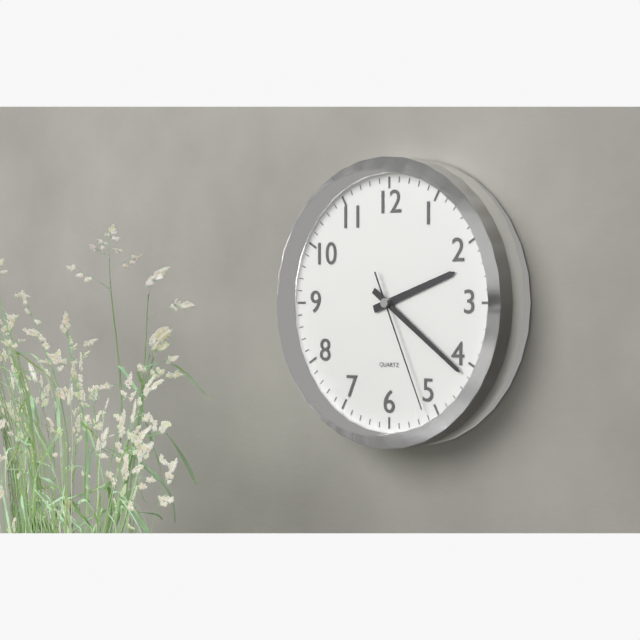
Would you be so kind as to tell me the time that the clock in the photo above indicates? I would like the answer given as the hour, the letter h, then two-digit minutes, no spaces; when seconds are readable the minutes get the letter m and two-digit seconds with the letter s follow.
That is 2h21m26s
